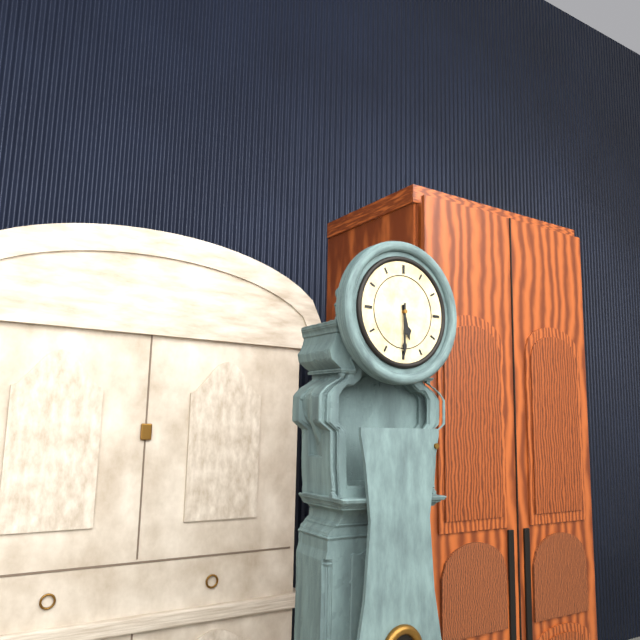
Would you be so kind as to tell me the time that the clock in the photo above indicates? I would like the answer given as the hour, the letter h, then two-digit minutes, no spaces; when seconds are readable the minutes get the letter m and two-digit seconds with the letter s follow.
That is 5h30
